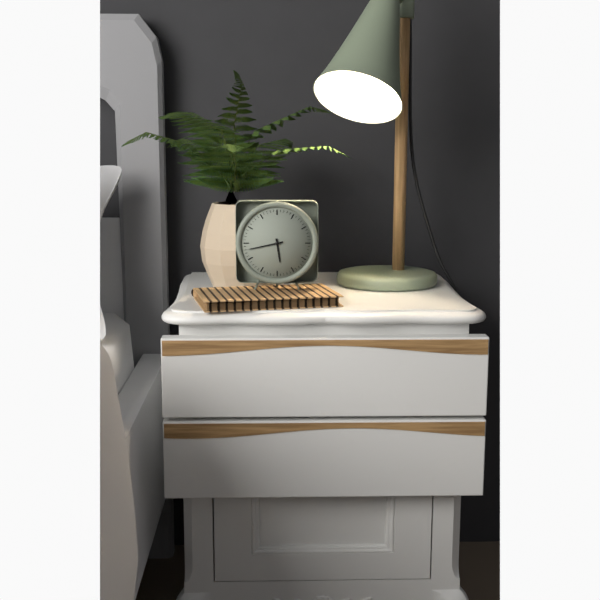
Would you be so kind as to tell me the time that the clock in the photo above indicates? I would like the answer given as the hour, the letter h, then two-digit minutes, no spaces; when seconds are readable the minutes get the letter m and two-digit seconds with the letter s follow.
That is 5h43
